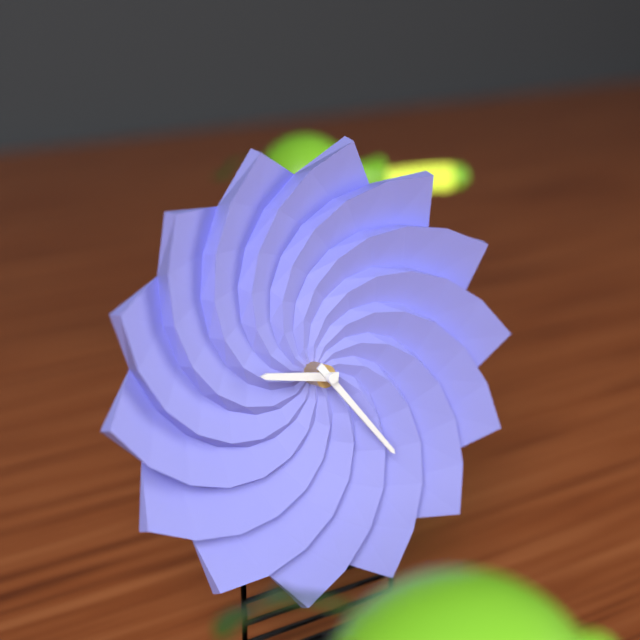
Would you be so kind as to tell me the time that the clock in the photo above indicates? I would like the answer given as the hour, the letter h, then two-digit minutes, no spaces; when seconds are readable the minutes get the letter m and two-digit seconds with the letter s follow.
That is 9h24
